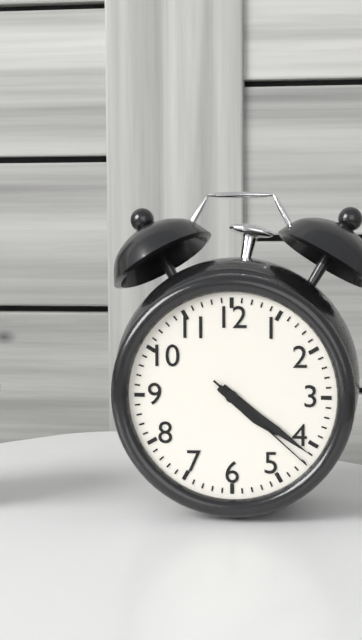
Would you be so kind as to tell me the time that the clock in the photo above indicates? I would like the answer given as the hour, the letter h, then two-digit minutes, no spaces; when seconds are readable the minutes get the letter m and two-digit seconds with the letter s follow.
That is 4h21m22s
